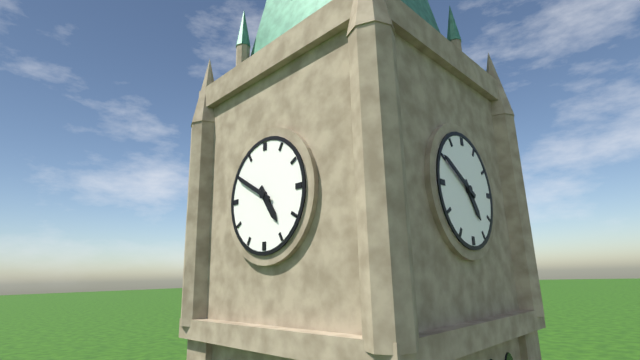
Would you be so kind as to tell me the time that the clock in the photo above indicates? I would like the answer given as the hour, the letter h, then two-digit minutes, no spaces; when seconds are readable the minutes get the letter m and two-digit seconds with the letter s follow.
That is 4h50
